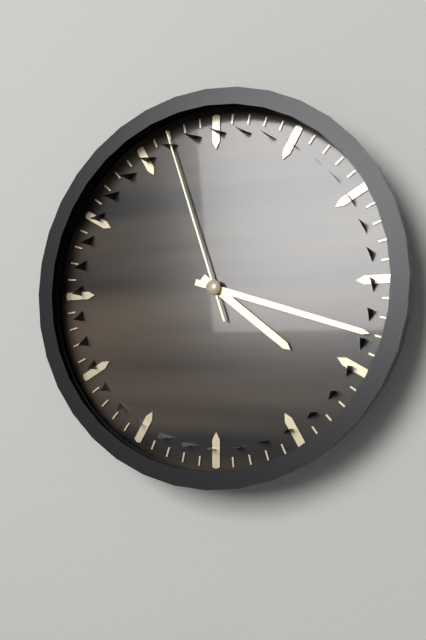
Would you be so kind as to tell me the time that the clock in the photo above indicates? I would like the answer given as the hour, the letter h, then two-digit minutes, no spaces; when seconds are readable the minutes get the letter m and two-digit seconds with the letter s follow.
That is 4h18m57s
